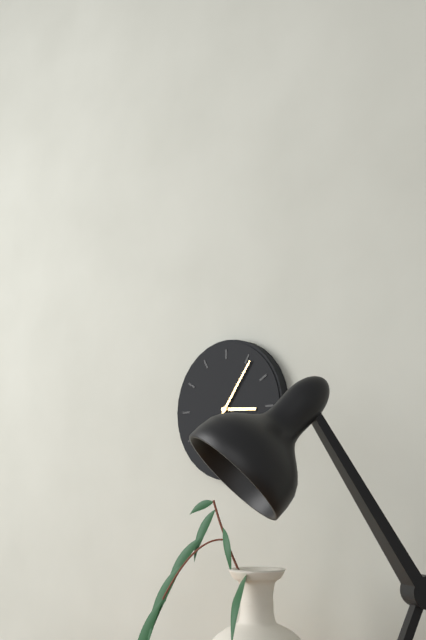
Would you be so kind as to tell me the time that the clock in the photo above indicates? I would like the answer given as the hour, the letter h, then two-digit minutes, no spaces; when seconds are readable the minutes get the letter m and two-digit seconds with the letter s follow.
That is 3h06
